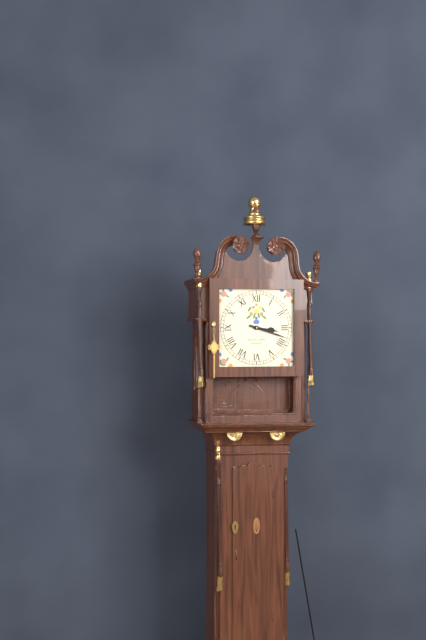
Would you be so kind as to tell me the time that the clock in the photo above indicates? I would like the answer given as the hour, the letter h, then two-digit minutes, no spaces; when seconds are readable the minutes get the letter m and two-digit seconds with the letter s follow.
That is 3h18
